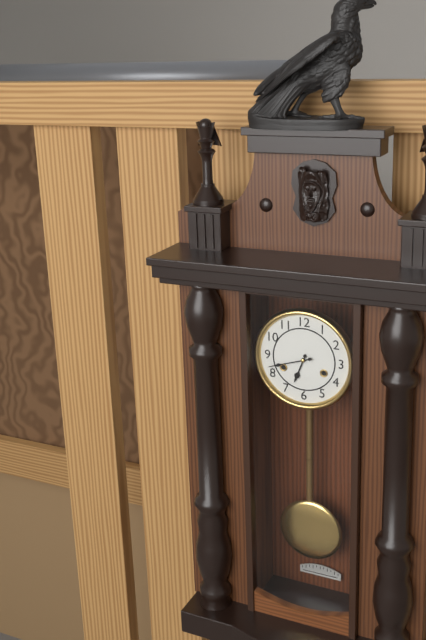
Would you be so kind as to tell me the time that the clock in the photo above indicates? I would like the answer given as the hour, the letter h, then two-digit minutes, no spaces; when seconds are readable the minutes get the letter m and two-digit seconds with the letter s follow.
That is 6h42
